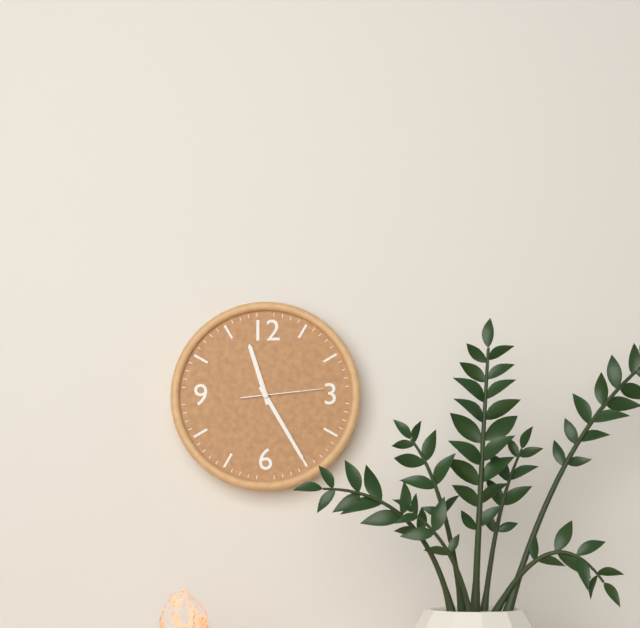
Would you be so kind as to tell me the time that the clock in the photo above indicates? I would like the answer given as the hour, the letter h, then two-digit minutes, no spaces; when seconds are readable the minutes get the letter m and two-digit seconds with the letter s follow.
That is 11h25m14s
